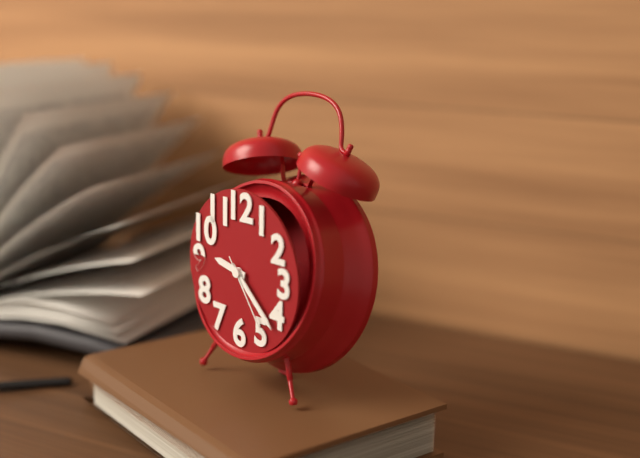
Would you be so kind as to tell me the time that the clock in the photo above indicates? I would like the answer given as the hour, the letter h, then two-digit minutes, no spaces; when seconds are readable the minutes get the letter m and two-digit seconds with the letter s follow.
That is 9h22m24s
